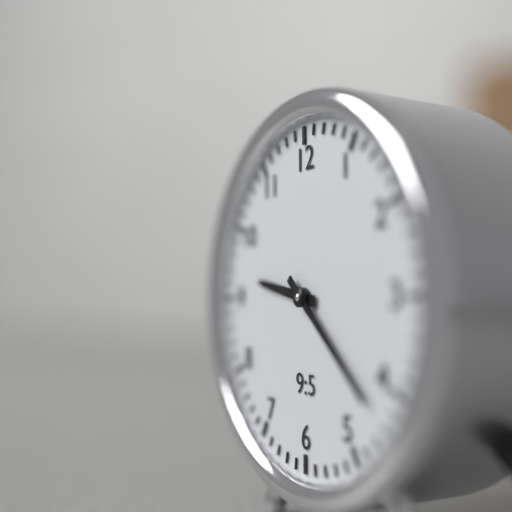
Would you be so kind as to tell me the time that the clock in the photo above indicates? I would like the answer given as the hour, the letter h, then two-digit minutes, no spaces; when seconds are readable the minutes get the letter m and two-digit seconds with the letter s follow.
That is 9h22
